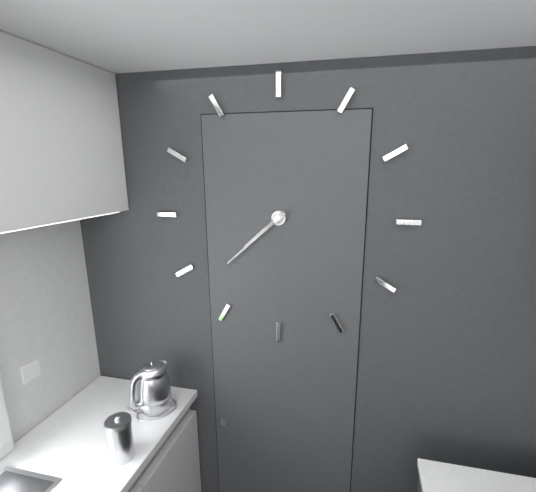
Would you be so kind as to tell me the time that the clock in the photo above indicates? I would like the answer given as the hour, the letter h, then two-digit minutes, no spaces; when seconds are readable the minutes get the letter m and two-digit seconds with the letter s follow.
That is 7h38
